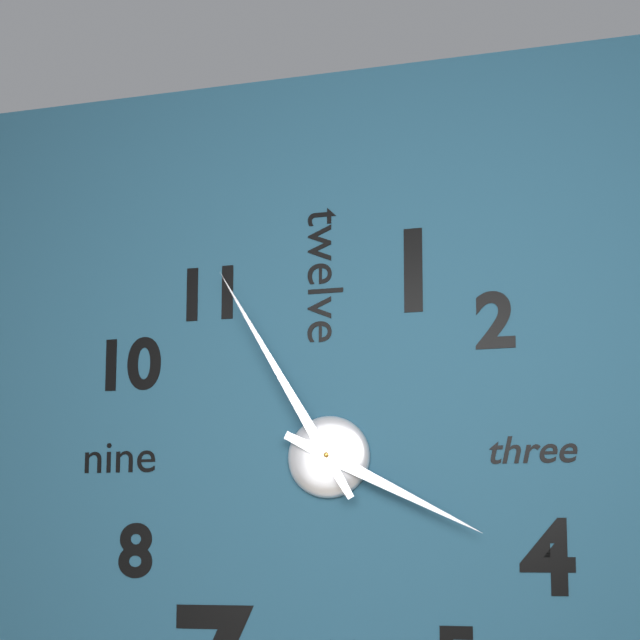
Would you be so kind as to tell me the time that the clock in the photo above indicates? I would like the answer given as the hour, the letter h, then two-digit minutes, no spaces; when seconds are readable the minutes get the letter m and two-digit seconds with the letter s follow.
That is 3h55
